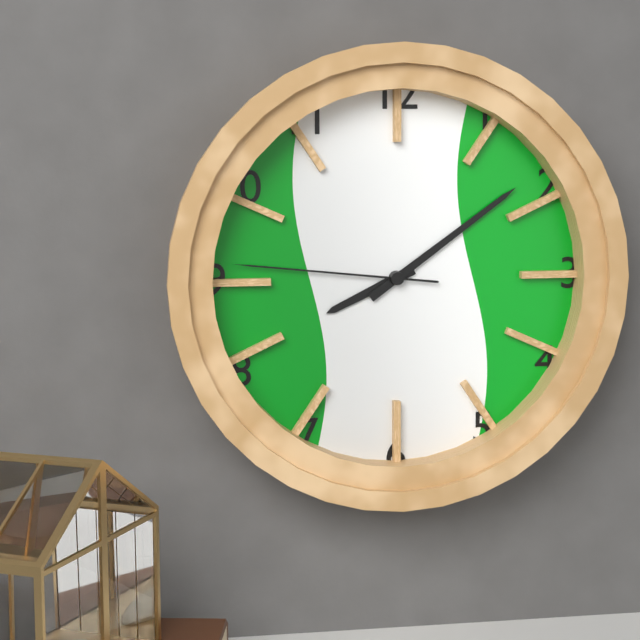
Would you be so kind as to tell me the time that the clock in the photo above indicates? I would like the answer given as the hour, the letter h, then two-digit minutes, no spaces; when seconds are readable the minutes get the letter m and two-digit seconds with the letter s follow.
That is 8h09m46s
